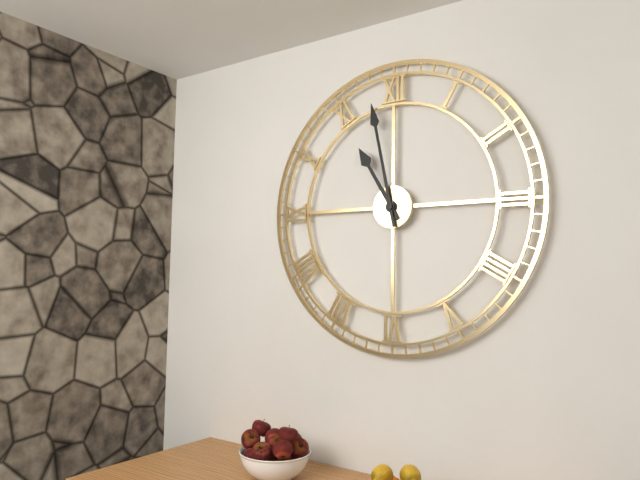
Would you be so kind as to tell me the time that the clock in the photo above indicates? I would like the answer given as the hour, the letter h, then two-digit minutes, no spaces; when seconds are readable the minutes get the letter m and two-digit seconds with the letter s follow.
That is 10h58
